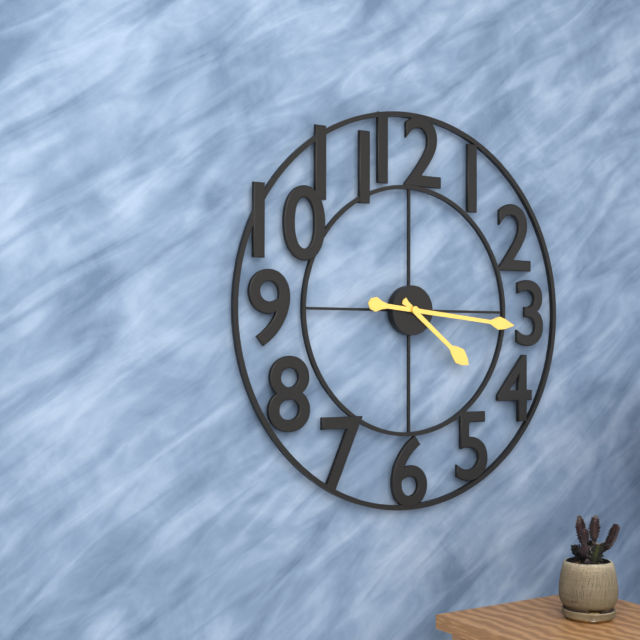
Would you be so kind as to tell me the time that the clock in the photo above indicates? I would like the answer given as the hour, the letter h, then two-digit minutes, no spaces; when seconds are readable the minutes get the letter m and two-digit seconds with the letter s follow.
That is 4h16
